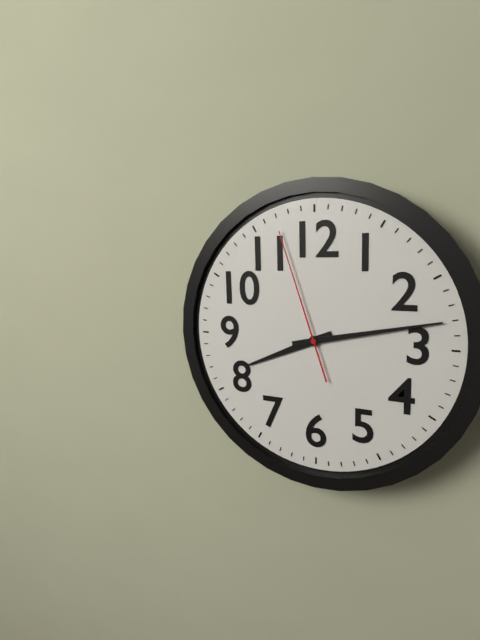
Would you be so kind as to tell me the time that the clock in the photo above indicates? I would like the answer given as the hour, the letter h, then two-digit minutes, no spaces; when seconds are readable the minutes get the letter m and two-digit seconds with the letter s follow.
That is 8h13m57s
